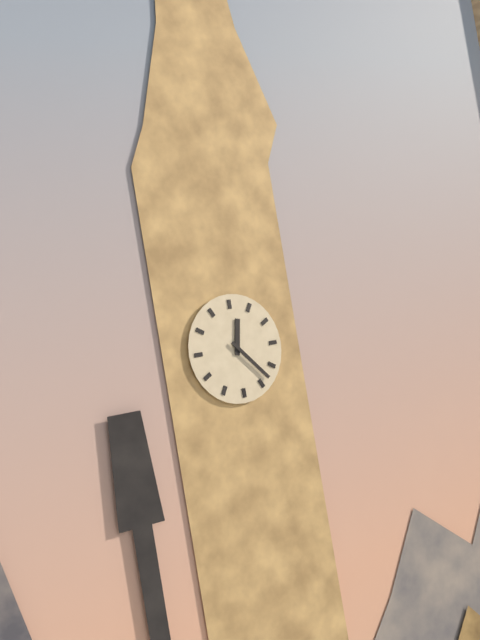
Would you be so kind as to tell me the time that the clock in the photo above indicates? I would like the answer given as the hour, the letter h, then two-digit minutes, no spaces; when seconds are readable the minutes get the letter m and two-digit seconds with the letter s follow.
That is 12h23
